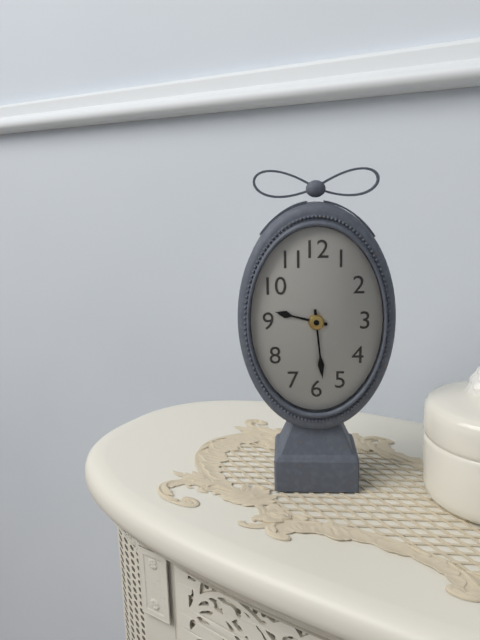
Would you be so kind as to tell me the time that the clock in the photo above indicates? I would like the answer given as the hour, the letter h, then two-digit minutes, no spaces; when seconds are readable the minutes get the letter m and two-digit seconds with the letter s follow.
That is 9h29
